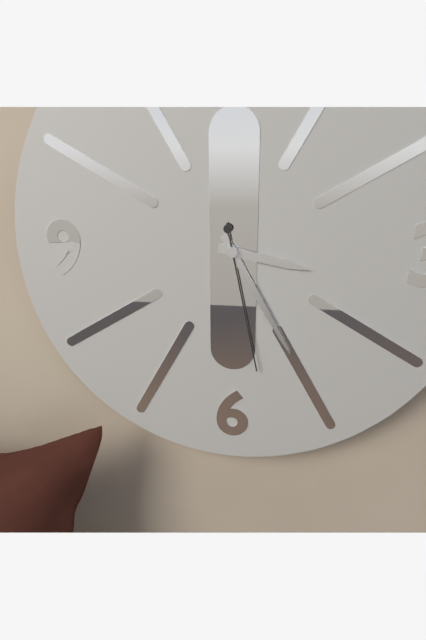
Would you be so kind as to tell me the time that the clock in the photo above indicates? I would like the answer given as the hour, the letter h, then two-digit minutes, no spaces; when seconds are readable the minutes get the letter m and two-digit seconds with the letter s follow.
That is 3h25m28s
